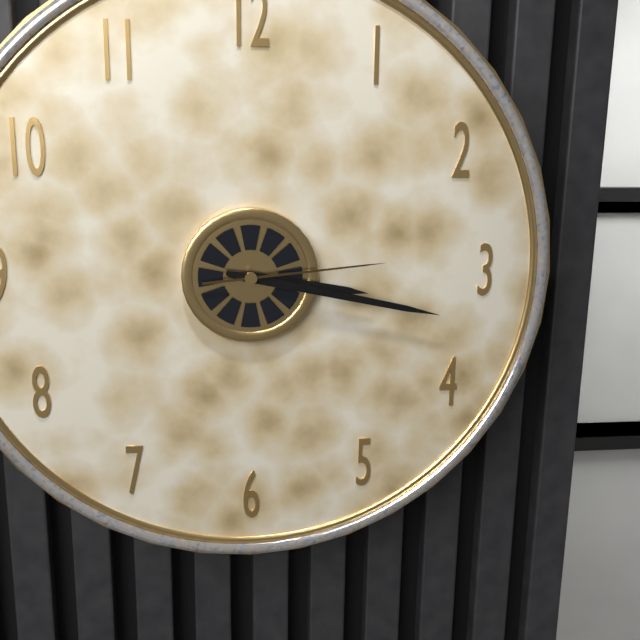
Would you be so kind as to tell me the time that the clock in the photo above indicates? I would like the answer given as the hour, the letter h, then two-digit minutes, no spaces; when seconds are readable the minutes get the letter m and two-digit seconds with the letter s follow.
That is 3h17m14s
